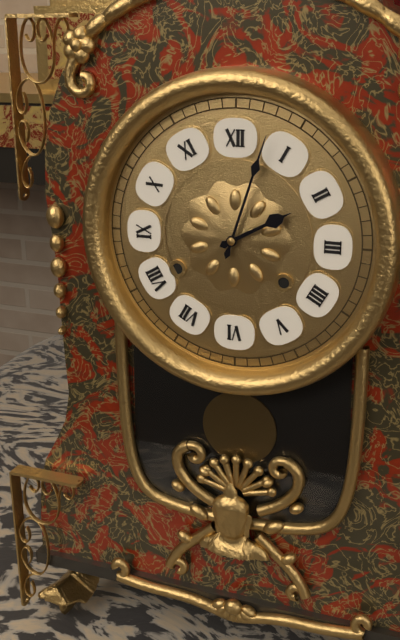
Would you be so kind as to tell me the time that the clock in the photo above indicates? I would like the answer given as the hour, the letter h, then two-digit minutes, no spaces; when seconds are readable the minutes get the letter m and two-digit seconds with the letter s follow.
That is 2h03
